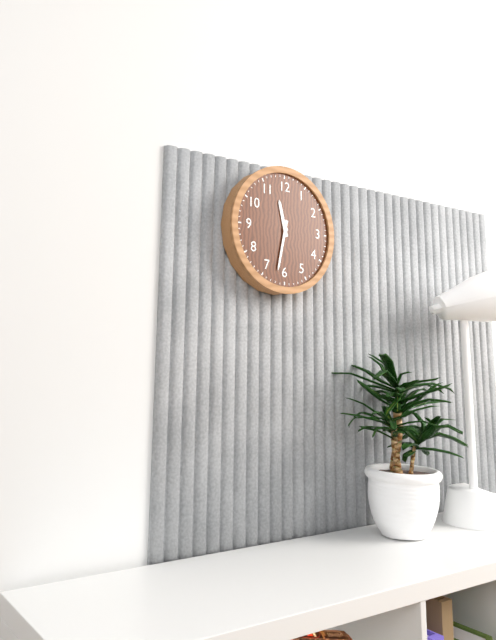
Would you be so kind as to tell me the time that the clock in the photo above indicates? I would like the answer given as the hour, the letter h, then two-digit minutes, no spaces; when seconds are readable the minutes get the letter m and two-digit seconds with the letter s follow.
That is 11h32
